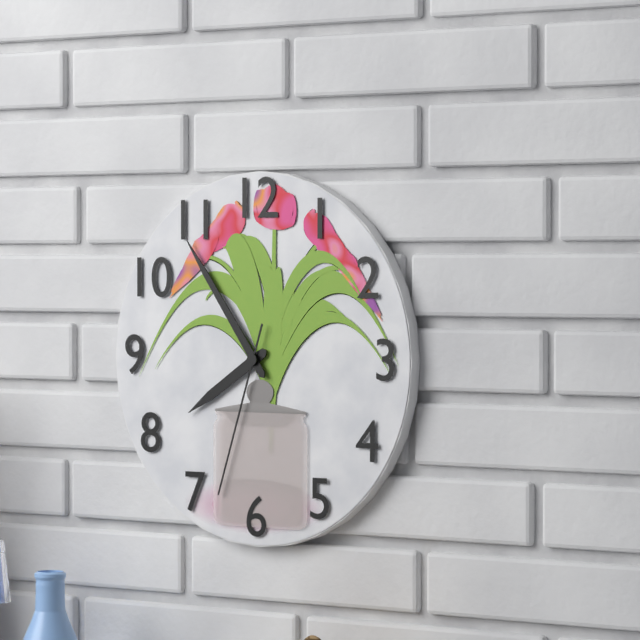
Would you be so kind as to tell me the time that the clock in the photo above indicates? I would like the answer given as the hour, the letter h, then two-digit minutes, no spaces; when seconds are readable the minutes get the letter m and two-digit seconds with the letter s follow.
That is 7h54m33s
